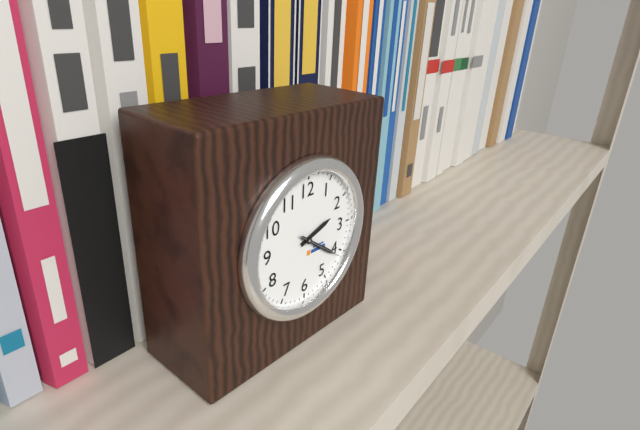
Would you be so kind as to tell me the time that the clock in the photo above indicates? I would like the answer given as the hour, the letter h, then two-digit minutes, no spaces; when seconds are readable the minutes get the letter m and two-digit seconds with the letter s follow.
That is 2h21m21s
